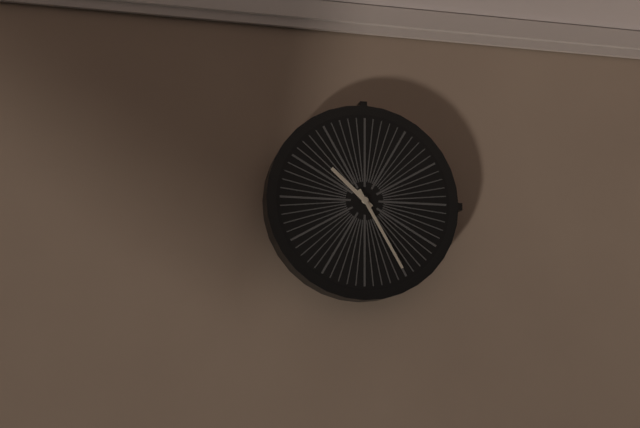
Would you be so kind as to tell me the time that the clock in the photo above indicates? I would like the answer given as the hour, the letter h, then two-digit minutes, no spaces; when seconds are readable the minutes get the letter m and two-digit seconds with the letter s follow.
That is 10h25
